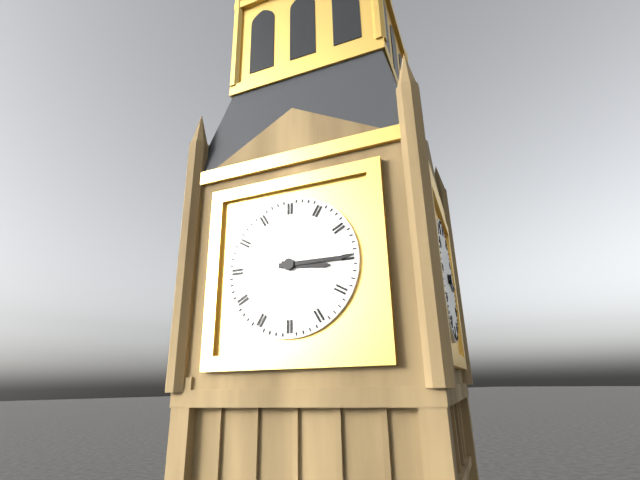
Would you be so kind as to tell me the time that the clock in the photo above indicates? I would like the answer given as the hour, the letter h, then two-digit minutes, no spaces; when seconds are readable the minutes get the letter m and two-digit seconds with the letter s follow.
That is 3h15
